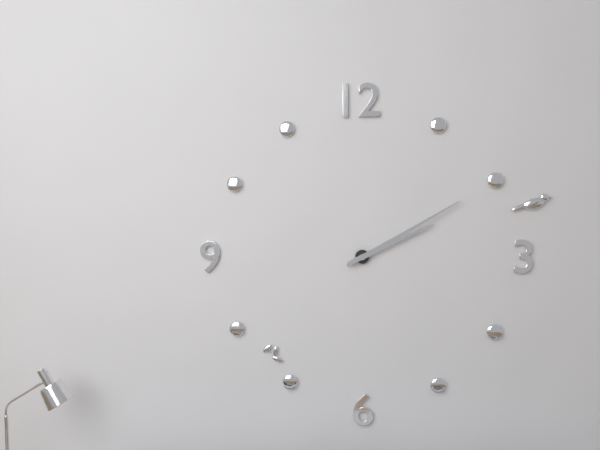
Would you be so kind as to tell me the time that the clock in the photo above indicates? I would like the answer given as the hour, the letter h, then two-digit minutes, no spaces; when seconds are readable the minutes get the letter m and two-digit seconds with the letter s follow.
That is 2h10
